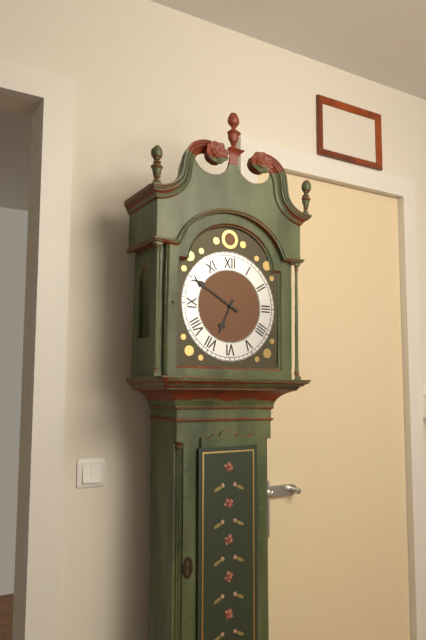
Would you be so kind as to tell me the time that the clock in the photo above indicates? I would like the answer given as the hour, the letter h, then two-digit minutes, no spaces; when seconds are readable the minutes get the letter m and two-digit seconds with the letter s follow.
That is 6h50
